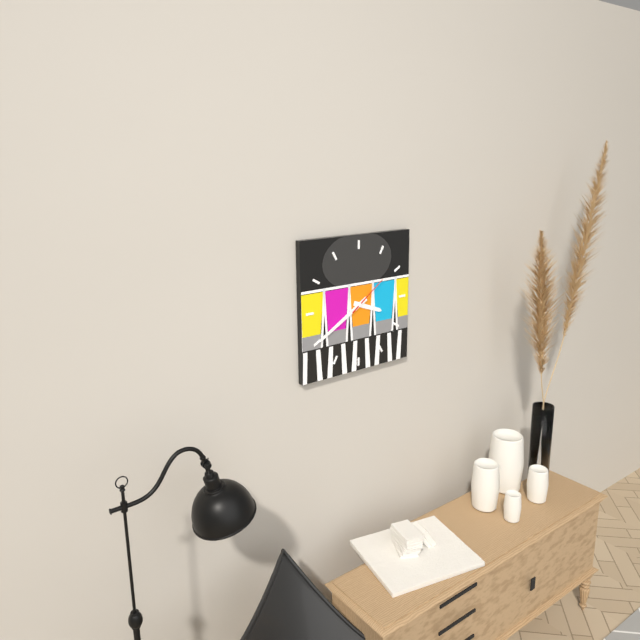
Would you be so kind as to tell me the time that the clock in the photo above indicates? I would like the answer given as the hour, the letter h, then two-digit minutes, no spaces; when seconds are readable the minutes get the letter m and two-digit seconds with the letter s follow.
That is 3h40
